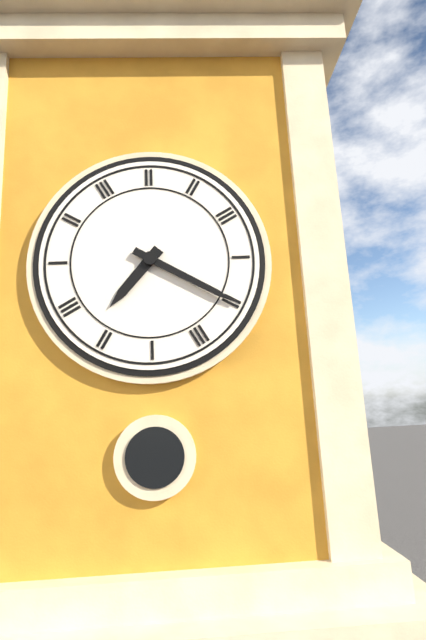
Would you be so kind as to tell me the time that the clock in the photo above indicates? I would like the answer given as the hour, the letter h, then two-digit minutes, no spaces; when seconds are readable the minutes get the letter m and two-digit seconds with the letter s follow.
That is 7h20
